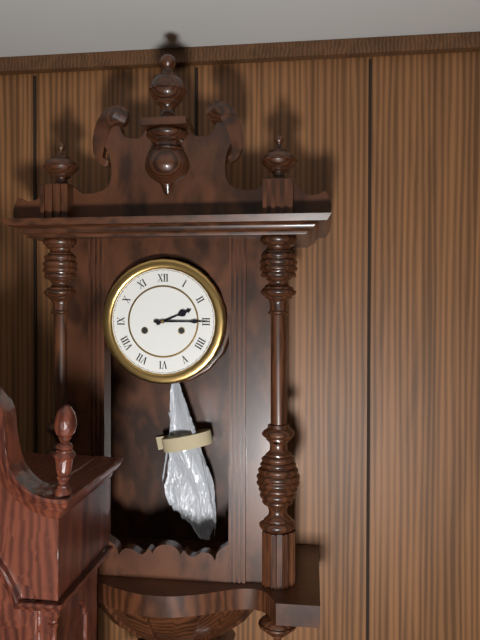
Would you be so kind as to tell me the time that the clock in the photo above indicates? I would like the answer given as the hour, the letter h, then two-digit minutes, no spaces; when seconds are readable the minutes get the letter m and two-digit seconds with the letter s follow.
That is 2h15
